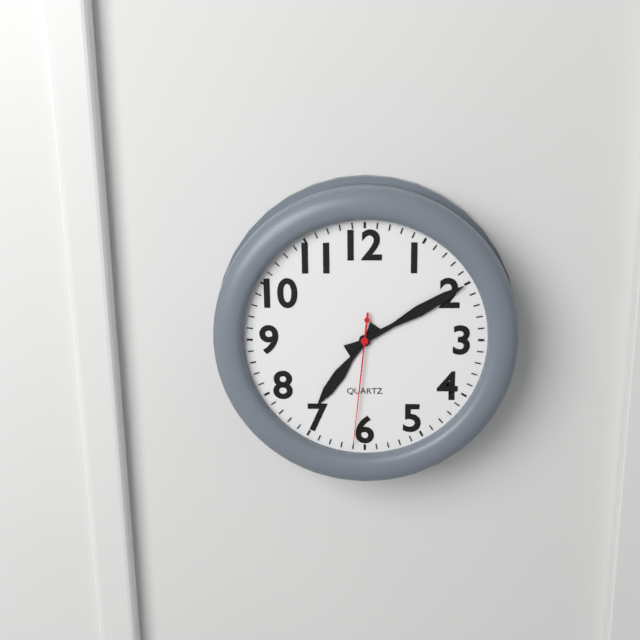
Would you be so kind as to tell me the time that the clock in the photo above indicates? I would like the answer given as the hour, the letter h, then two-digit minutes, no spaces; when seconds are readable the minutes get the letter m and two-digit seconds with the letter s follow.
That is 7h10m31s
